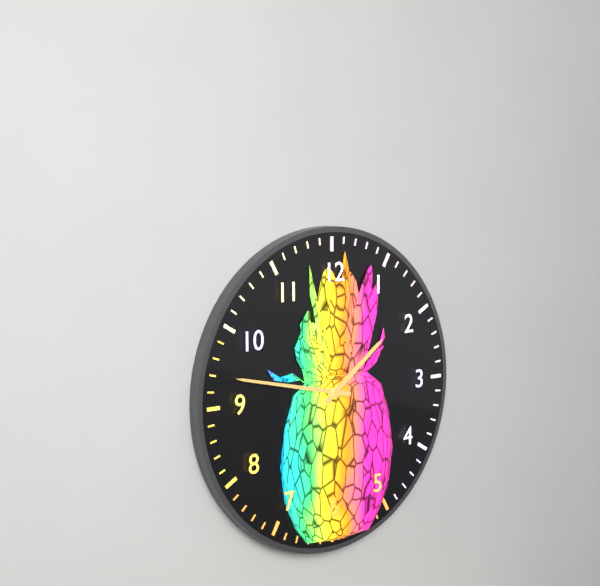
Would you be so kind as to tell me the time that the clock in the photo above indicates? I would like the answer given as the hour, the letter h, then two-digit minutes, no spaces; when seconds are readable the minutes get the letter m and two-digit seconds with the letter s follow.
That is 1h47
